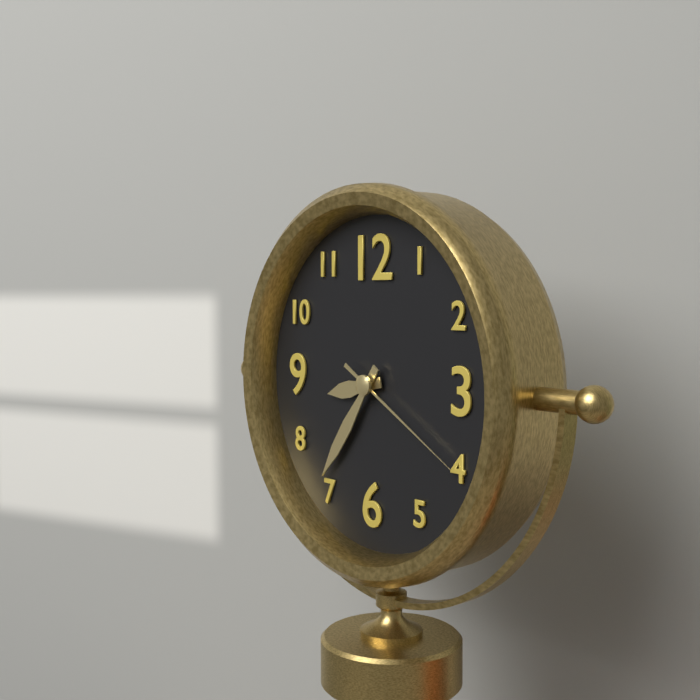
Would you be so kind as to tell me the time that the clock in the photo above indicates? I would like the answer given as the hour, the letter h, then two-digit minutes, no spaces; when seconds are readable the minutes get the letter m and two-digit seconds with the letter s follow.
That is 8h36m20s
